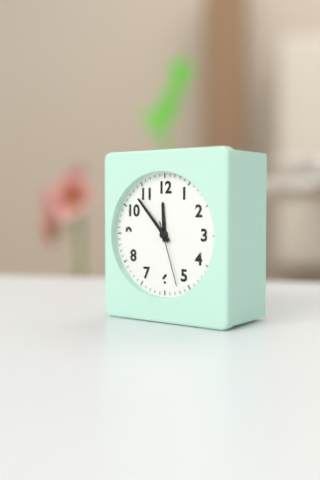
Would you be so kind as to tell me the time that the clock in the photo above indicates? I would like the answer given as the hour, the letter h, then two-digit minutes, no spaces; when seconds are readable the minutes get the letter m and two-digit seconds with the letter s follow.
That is 11h53m27s
